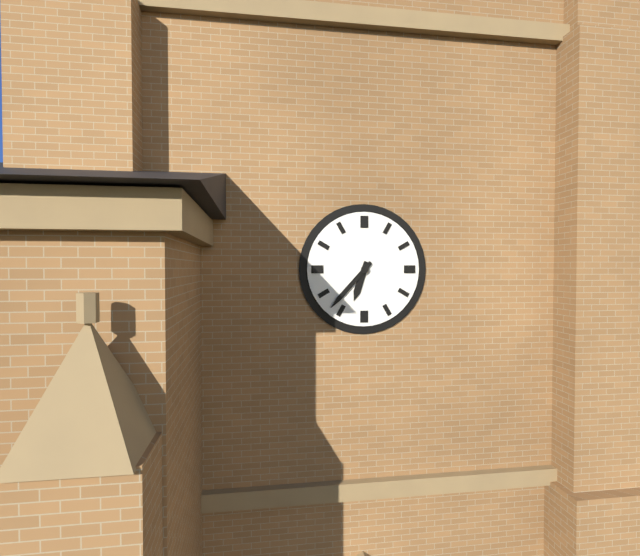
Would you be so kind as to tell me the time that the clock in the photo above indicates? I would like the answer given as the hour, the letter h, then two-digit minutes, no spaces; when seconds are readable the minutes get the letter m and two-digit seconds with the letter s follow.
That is 6h37
